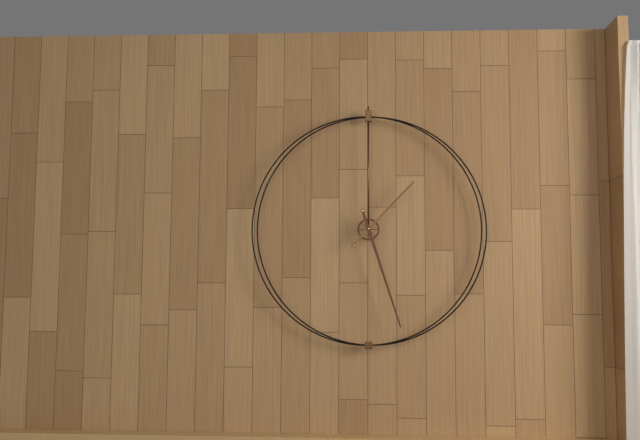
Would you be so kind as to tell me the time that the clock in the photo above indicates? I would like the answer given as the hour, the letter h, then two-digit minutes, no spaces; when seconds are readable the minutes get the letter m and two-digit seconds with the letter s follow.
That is 1h27
